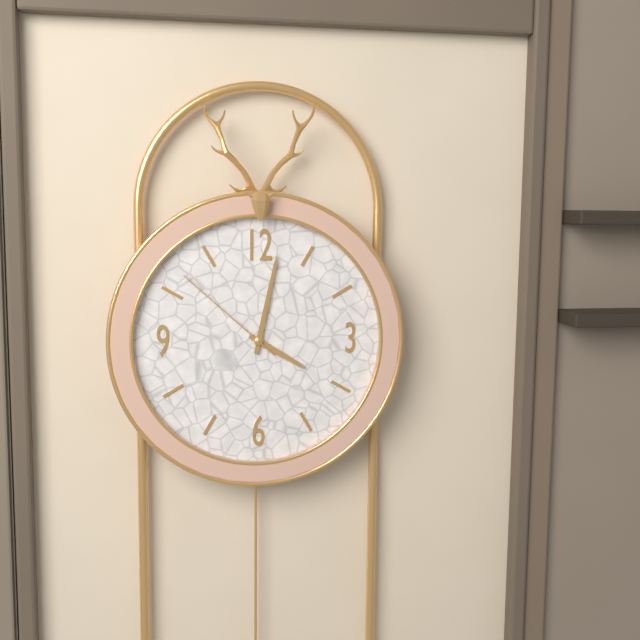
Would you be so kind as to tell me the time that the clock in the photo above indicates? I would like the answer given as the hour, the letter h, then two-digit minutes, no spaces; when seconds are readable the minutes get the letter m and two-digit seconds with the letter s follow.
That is 4h02m52s
